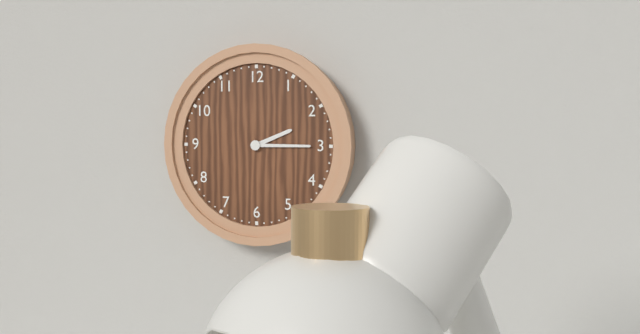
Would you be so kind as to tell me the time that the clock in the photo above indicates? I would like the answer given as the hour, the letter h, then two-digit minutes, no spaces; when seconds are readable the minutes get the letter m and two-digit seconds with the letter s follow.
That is 2h15
